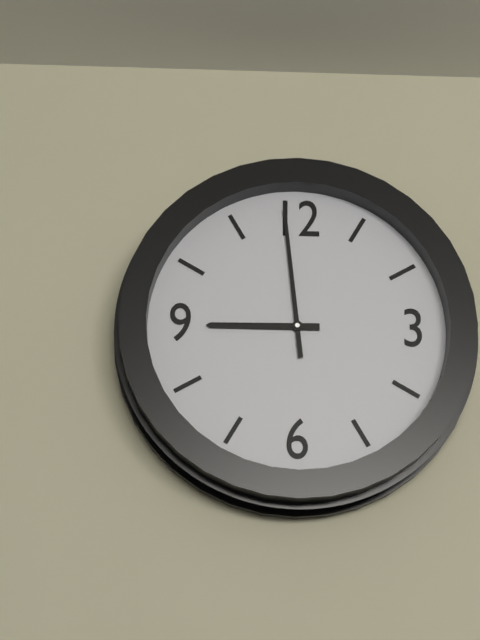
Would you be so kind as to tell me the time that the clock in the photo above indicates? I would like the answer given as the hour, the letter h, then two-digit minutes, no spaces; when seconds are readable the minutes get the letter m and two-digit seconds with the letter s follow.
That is 8h59
